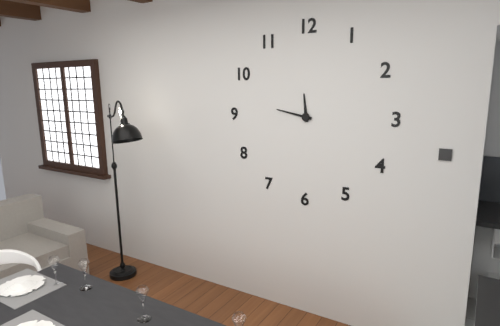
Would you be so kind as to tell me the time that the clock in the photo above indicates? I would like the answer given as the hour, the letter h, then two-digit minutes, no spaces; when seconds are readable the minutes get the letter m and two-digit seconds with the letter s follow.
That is 11h47
